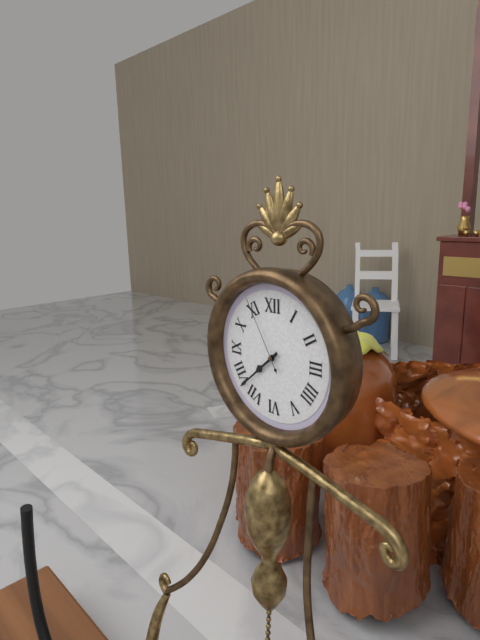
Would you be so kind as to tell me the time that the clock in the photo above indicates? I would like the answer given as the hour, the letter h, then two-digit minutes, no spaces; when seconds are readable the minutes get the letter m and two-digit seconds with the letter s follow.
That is 7h38m55s
